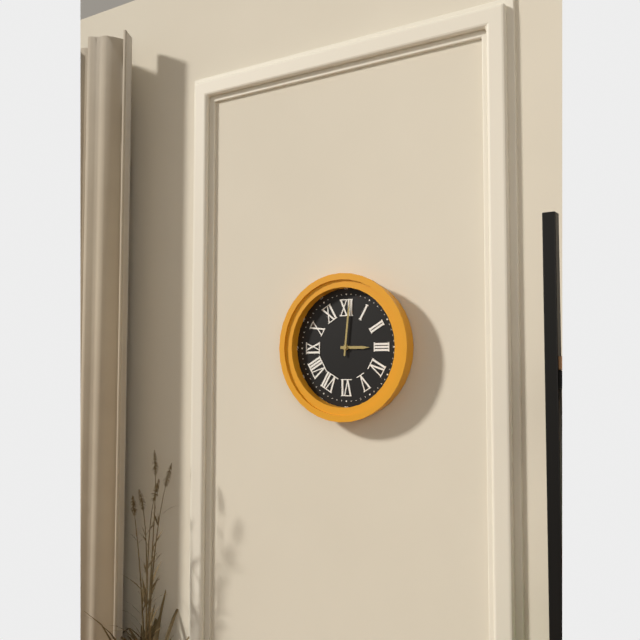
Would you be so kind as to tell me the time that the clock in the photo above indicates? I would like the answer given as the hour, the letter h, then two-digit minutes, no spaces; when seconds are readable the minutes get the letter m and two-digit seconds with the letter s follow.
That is 3h01
